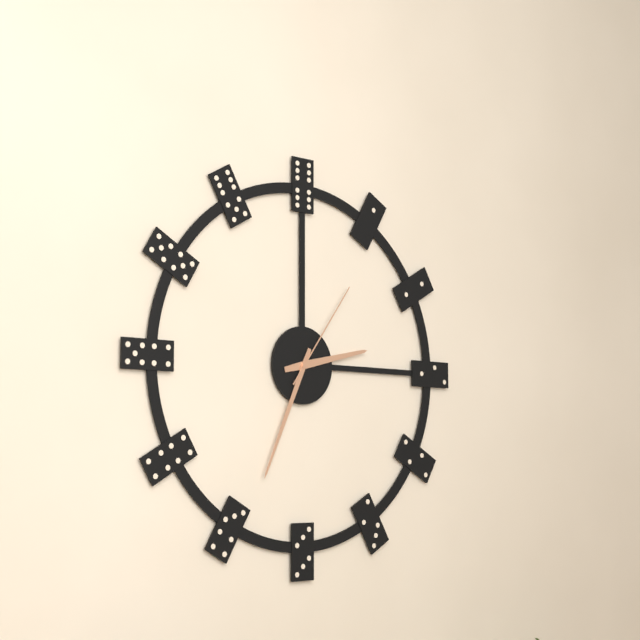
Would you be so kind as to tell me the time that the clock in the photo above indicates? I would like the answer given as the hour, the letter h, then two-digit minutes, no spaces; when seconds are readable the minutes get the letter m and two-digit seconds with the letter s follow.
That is 2h34m06s
